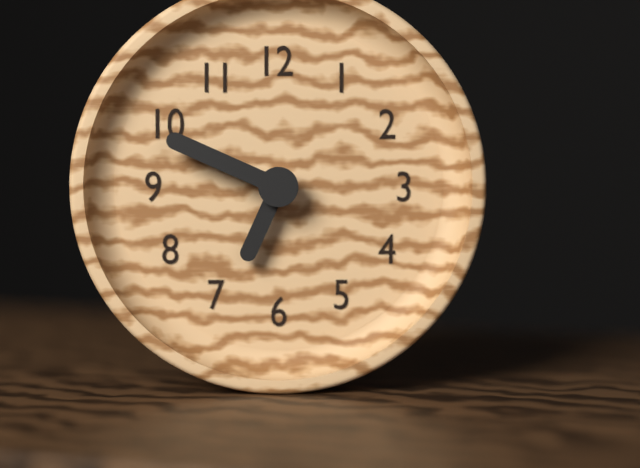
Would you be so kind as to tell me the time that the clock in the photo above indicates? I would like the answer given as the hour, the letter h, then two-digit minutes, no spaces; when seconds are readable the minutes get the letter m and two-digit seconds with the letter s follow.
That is 6h49
